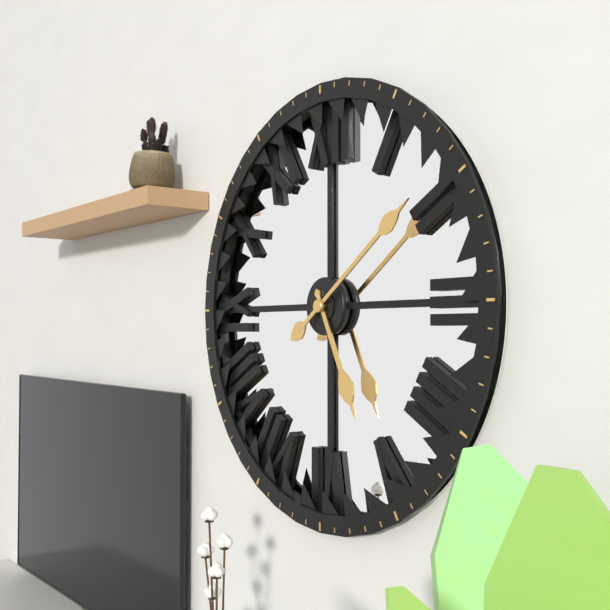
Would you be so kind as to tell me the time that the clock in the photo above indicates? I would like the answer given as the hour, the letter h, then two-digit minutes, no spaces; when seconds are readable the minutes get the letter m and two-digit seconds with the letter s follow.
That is 5h09
